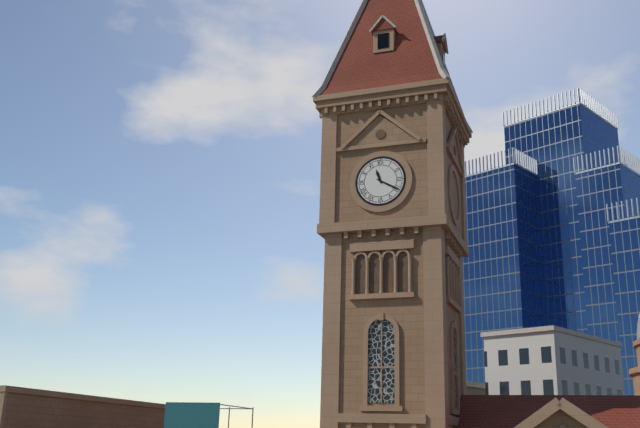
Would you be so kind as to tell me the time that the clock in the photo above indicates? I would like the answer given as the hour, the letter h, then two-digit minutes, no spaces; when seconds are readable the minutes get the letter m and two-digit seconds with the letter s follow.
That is 11h20
